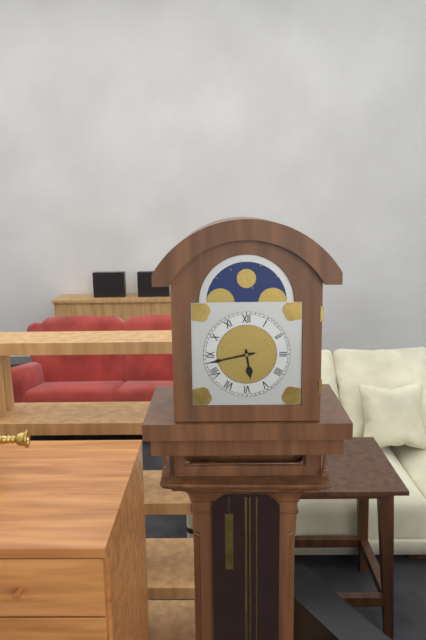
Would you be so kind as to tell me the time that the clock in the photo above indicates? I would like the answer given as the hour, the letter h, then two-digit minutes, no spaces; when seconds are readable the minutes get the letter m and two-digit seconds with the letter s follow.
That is 5h43
